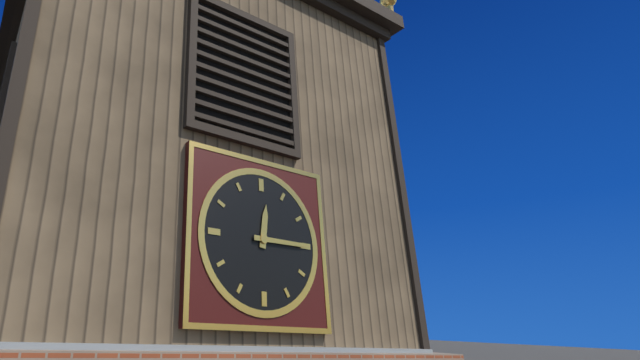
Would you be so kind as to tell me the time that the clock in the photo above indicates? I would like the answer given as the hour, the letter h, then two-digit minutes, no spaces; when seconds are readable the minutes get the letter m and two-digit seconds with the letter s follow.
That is 12h15
